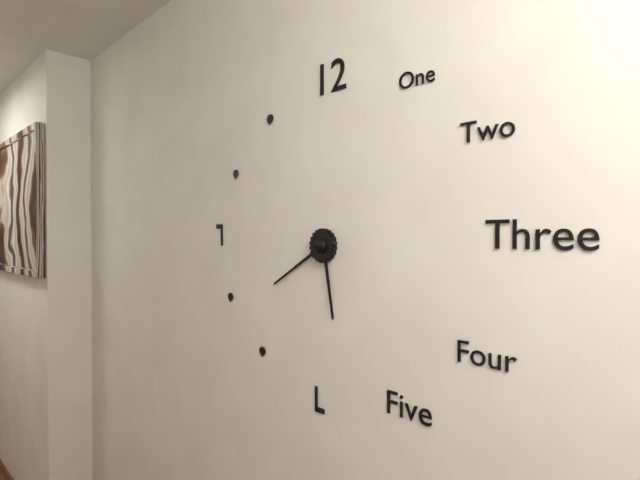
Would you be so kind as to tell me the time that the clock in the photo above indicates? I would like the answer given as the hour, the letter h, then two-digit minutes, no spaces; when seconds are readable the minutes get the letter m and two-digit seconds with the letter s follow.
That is 5h40
